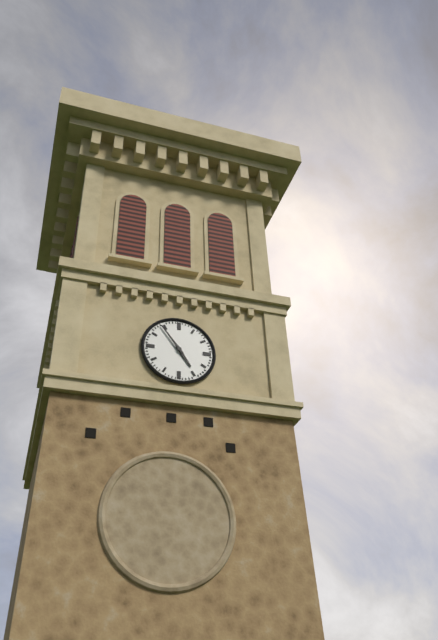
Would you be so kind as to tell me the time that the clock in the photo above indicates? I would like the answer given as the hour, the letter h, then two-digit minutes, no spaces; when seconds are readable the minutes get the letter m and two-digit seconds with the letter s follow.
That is 4h54
